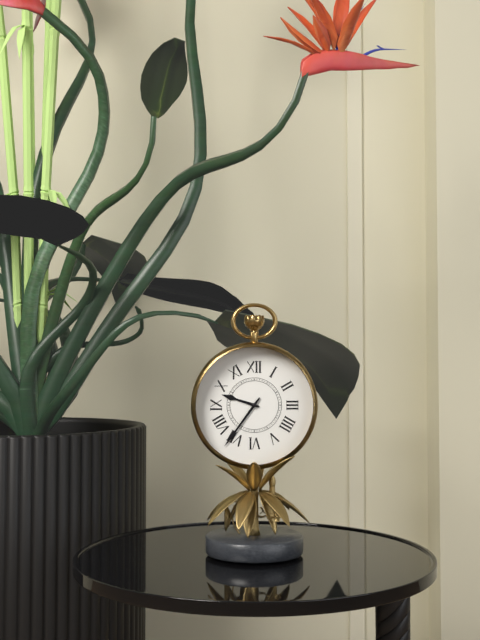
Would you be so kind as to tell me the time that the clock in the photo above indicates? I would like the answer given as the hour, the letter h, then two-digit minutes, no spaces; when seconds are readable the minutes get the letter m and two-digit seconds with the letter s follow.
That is 9h36
